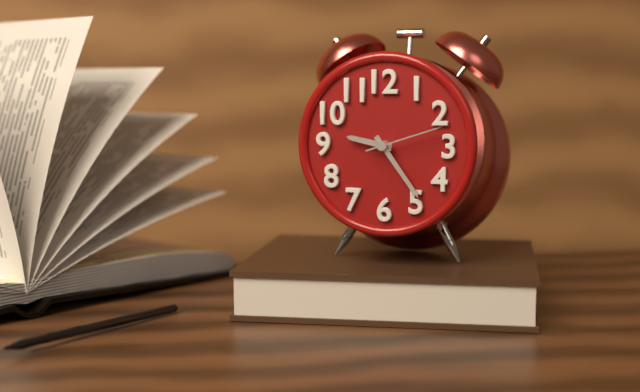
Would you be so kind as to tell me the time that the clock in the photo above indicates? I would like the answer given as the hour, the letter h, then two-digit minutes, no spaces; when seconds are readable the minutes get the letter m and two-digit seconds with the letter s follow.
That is 9h24m12s
